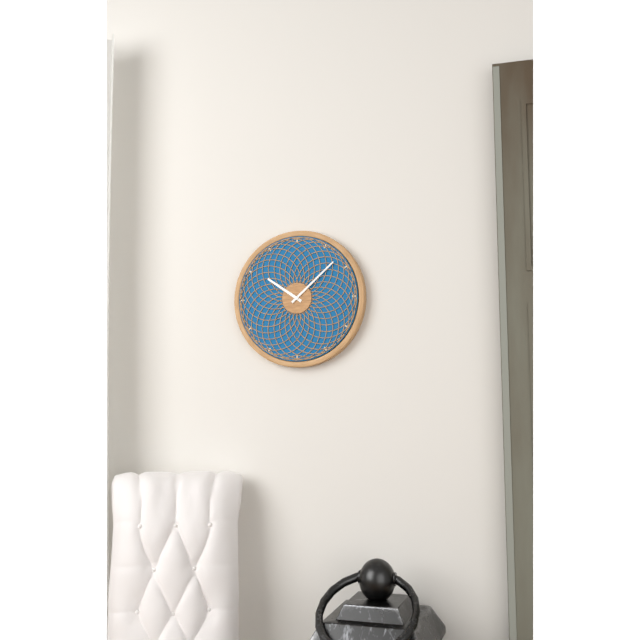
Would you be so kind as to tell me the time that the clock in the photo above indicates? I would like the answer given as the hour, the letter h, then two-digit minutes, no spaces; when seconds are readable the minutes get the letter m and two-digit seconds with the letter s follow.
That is 10h08
